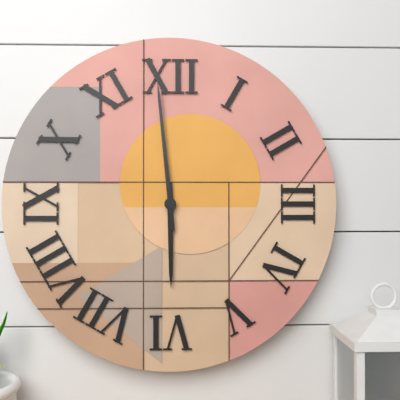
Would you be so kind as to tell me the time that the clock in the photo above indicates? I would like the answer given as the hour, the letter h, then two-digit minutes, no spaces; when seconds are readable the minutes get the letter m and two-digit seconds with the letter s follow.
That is 5h59
